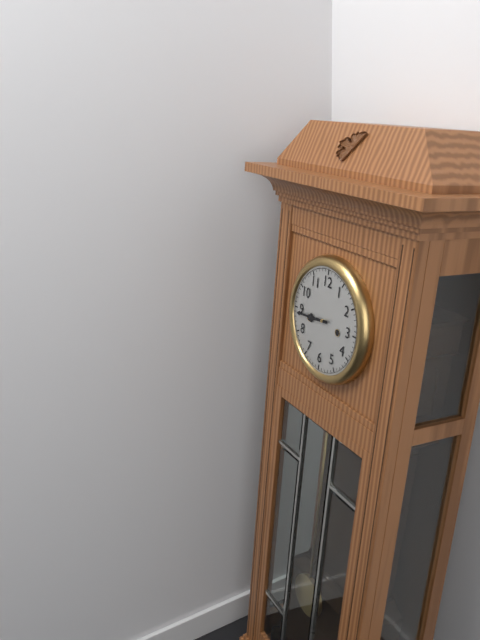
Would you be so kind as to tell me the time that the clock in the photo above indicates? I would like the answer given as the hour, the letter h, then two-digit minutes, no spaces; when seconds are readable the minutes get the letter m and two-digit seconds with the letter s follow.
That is 8h44
